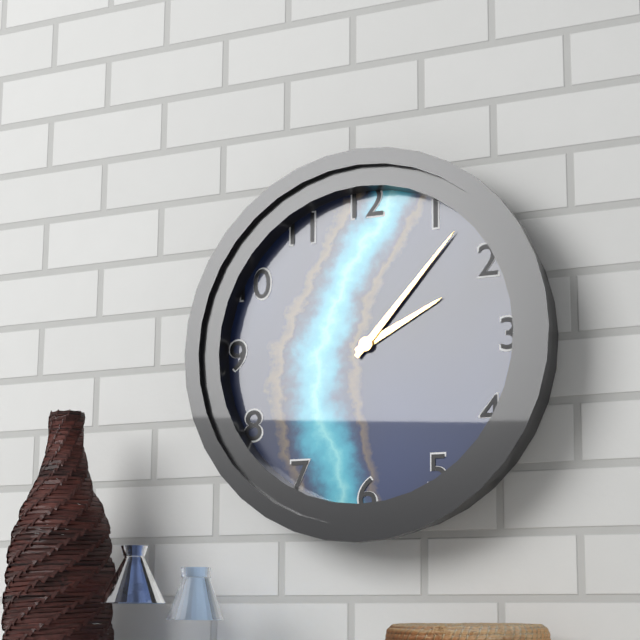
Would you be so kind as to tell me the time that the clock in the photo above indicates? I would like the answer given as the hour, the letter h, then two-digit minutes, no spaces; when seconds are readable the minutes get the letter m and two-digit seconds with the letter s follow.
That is 2h07
